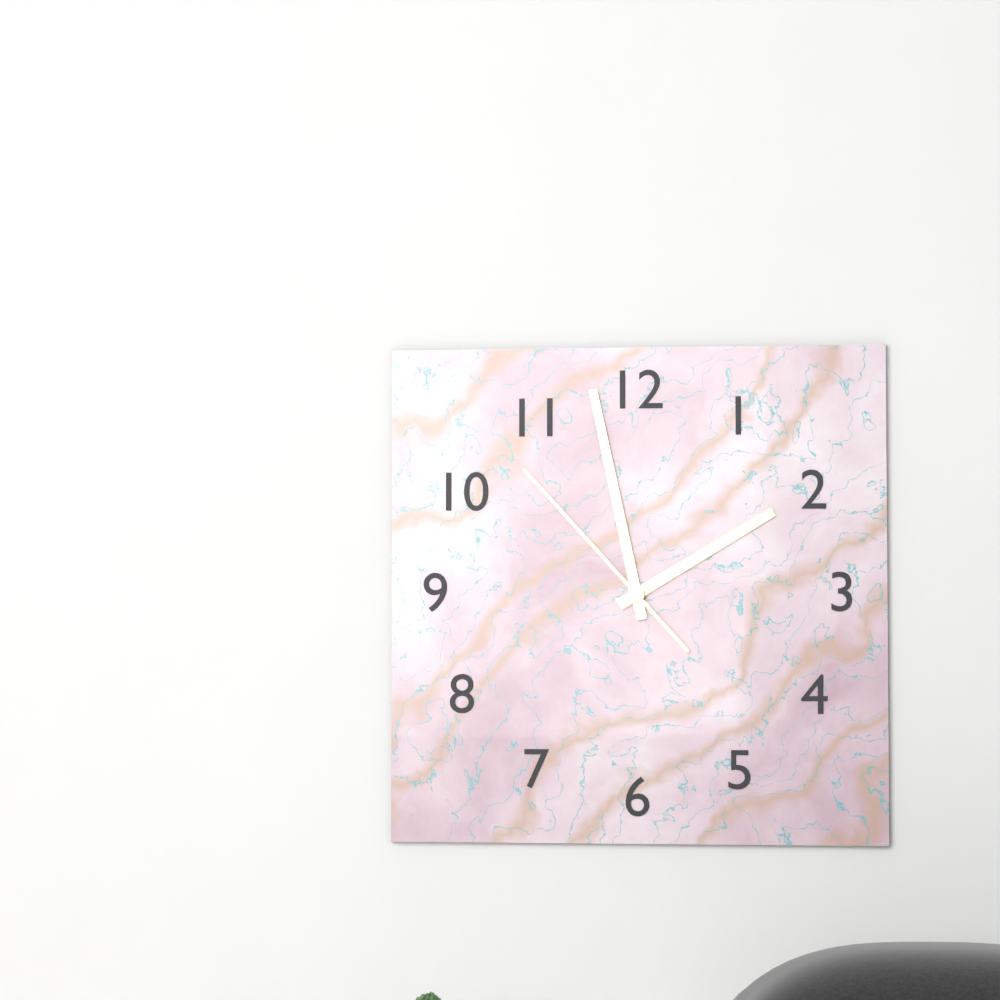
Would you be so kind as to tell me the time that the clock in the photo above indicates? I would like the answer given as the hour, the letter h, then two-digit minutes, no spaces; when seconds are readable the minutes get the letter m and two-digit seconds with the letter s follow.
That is 1h58m53s
